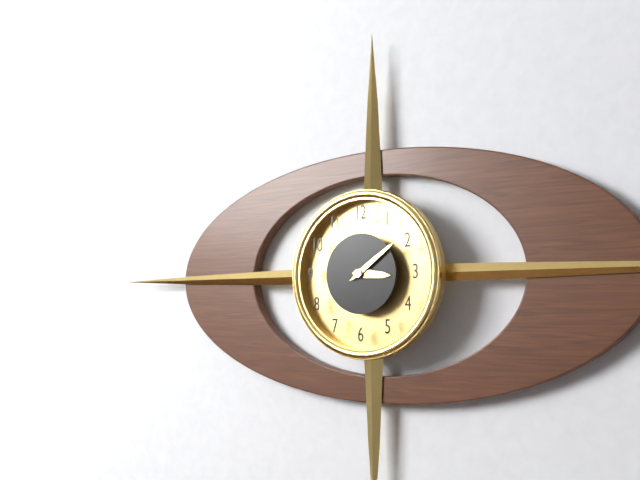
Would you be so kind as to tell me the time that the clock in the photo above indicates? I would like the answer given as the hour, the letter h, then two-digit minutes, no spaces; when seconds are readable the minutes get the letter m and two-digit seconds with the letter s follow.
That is 3h09
